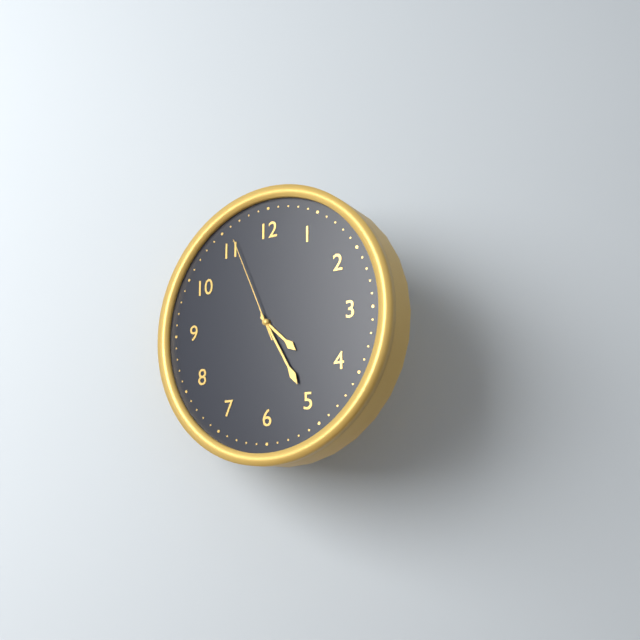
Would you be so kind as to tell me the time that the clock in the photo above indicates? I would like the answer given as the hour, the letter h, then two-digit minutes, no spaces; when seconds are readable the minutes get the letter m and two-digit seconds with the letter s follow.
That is 4h25m56s
